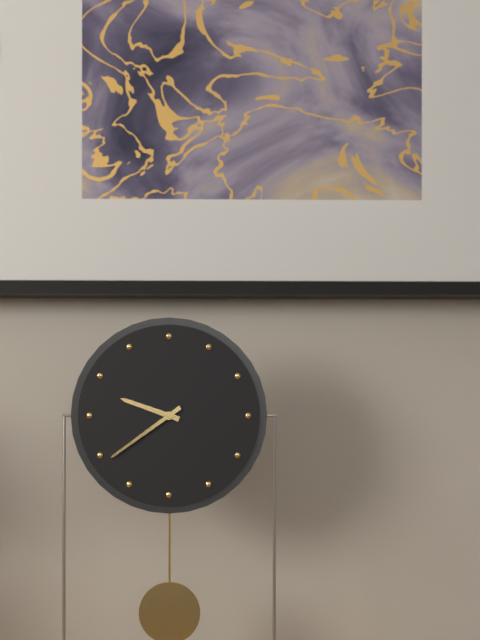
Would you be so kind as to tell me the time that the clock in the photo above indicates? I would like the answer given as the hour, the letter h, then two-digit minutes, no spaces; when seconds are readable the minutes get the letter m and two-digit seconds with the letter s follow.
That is 9h39
